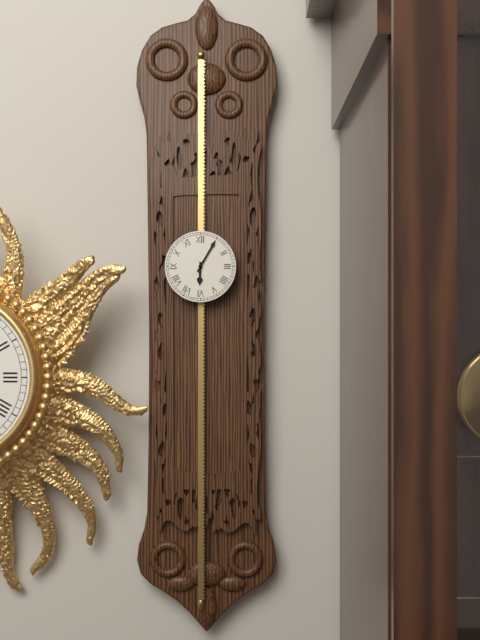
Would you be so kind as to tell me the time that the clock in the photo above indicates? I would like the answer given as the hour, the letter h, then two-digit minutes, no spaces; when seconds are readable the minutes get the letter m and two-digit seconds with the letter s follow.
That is 6h05
